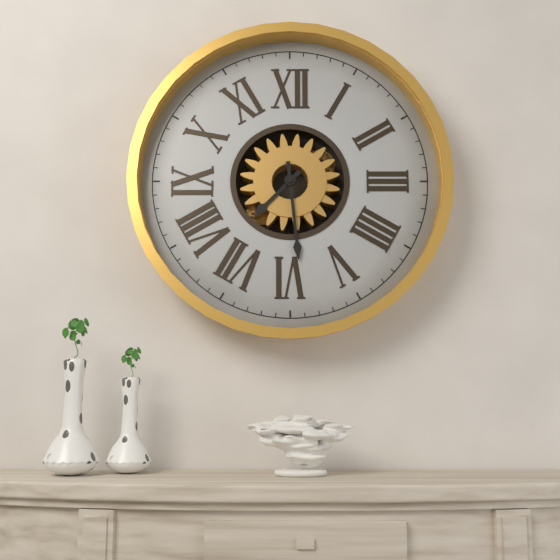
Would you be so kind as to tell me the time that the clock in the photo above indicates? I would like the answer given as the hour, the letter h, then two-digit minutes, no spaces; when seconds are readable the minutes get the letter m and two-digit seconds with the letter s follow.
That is 7h29
